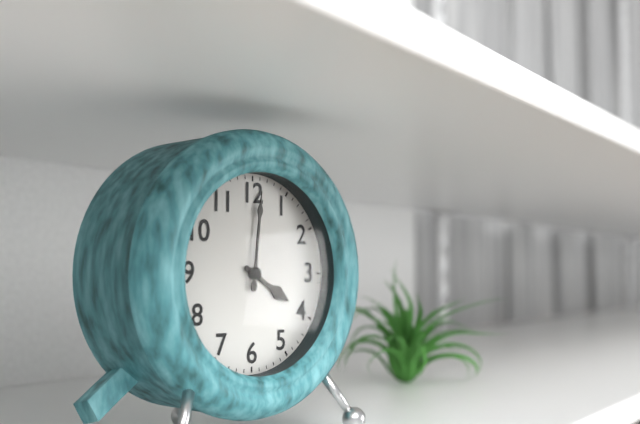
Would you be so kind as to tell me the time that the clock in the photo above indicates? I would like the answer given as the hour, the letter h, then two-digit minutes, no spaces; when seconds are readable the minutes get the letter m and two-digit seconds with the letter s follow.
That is 4h01
